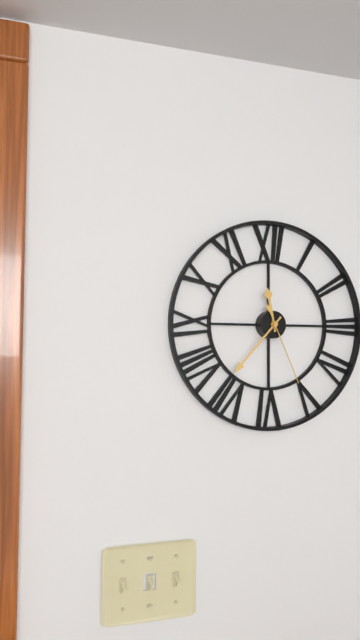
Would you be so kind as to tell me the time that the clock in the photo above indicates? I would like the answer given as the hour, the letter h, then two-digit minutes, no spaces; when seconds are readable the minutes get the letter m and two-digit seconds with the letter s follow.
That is 11h37m26s
